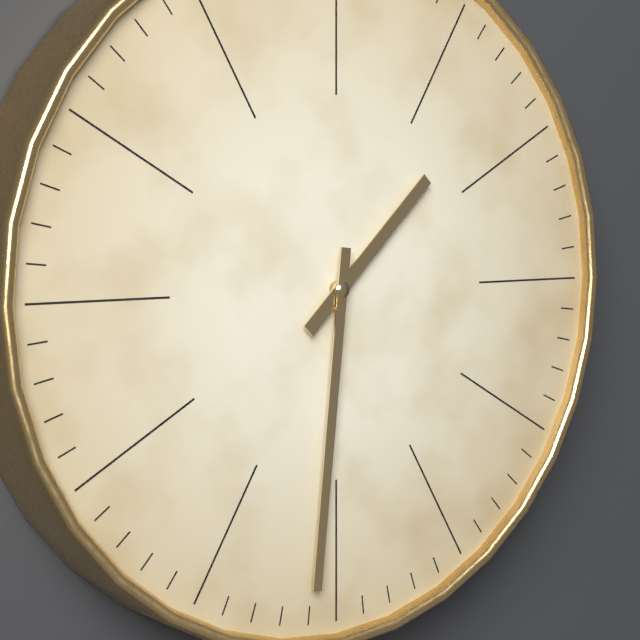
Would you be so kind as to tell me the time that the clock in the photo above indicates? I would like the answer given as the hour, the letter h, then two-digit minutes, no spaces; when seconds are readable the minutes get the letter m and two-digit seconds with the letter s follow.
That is 1h31
